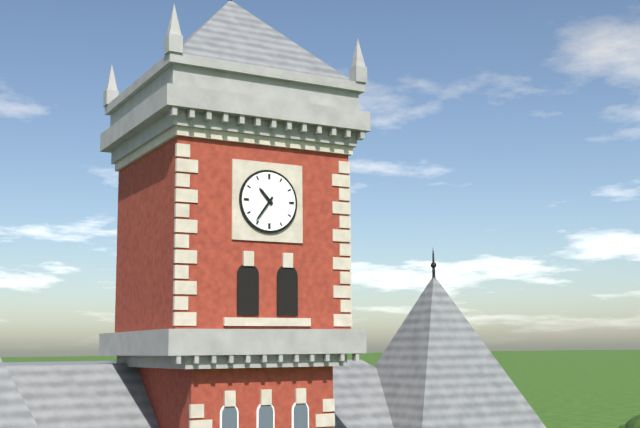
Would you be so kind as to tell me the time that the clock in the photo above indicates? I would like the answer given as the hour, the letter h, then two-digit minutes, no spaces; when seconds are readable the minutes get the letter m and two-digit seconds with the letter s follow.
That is 10h36
